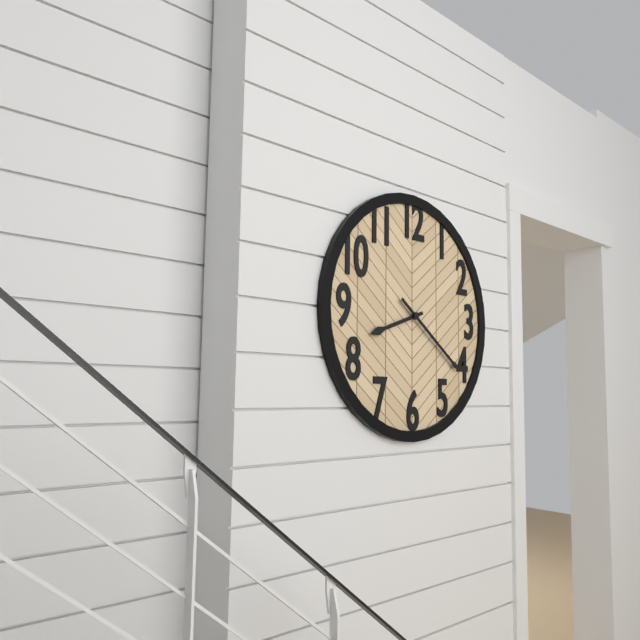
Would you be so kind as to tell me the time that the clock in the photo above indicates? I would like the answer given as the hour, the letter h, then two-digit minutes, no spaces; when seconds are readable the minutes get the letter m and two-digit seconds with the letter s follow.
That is 8h21
